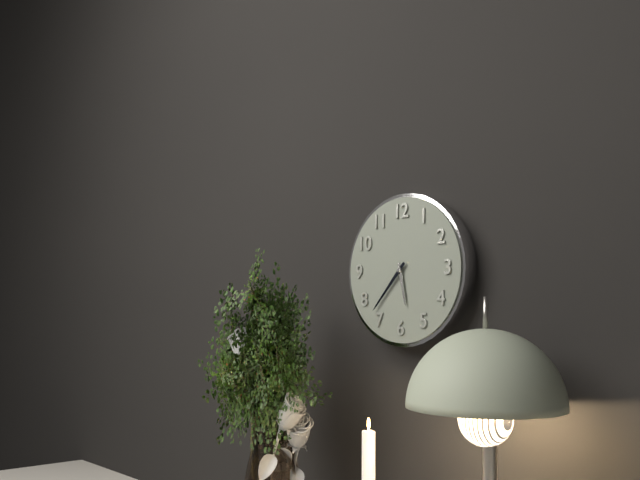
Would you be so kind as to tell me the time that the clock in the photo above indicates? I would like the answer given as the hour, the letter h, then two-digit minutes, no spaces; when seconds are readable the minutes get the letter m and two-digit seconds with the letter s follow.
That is 5h37
